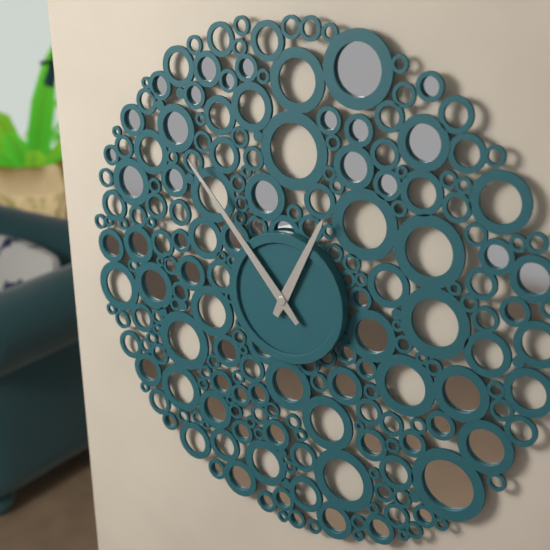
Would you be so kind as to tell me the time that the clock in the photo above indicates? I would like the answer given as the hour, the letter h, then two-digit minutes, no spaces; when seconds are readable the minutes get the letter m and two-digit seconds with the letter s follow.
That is 12h53
